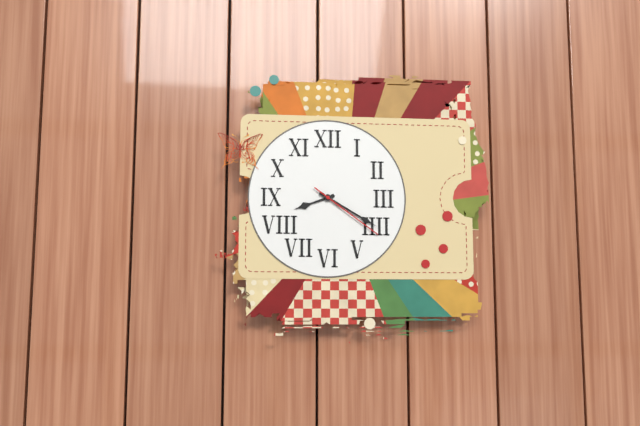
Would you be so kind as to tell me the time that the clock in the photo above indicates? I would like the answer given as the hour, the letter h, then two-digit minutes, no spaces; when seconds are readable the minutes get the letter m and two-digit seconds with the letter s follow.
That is 8h20m21s
